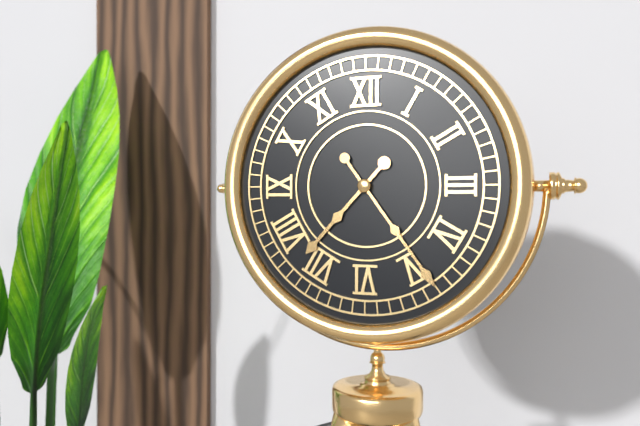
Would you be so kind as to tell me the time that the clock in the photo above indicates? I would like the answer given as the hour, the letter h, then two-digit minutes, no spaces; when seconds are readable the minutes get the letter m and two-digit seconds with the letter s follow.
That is 7h24
